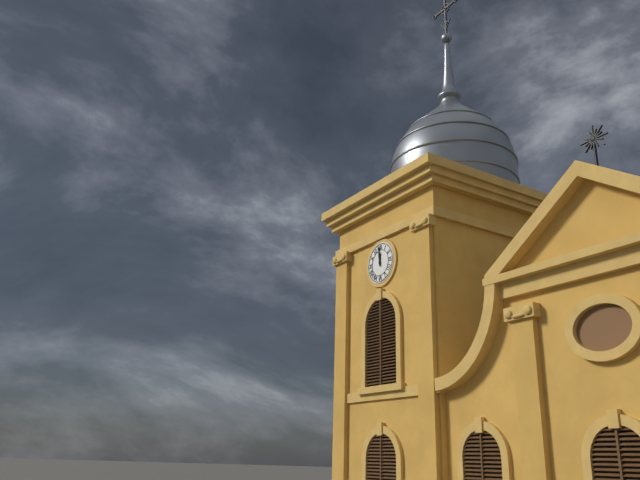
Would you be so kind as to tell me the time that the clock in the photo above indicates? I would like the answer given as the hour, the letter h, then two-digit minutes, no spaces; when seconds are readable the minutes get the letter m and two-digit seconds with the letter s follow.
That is 11h59
